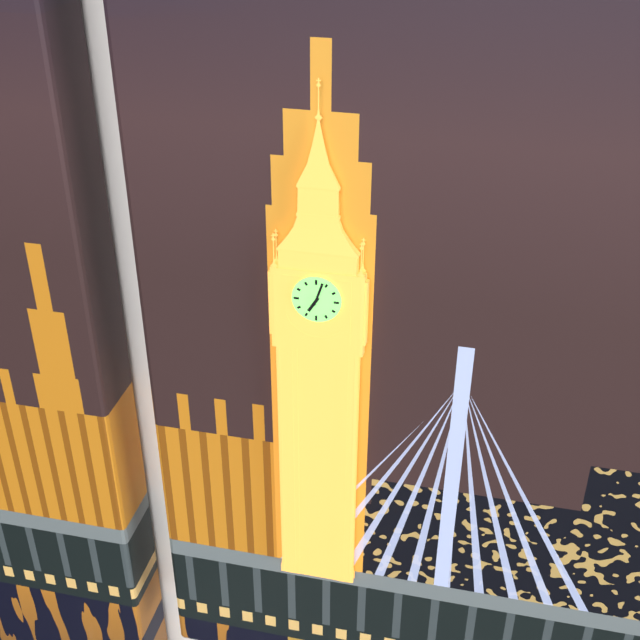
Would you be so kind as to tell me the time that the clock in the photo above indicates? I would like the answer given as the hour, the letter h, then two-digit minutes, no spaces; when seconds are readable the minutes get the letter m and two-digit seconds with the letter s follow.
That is 7h03
